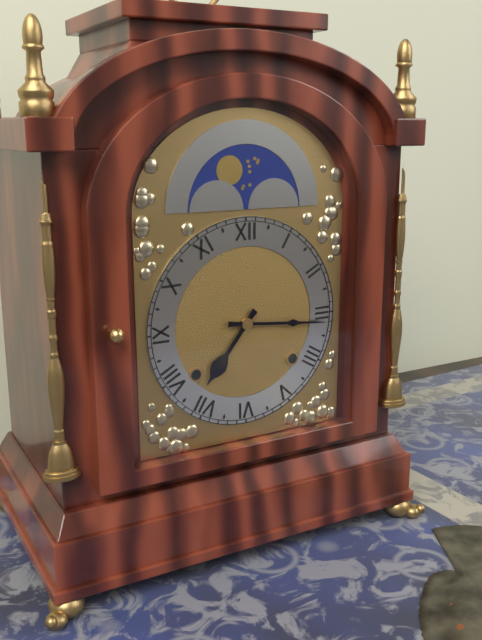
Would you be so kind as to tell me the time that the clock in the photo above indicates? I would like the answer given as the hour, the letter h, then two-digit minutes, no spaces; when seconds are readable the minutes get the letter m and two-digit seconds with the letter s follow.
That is 7h16
